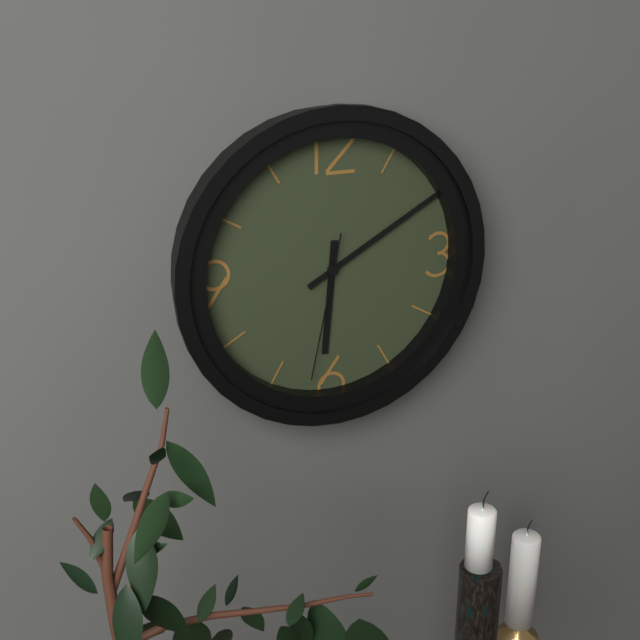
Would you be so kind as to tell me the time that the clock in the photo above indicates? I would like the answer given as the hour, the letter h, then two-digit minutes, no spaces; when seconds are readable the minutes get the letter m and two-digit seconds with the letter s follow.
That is 6h10m32s
